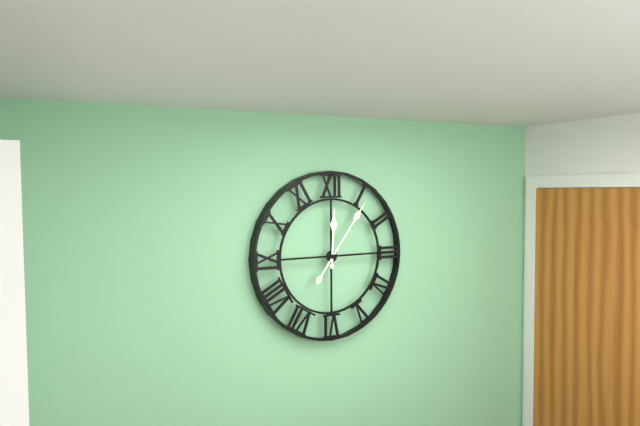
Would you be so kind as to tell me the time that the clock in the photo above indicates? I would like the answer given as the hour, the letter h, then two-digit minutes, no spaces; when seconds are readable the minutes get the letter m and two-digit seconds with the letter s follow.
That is 12h06
